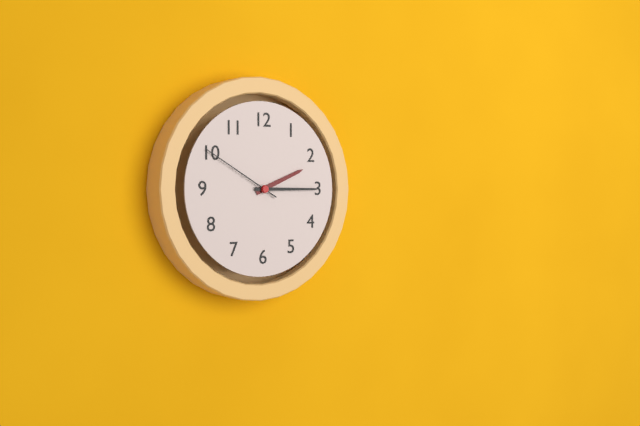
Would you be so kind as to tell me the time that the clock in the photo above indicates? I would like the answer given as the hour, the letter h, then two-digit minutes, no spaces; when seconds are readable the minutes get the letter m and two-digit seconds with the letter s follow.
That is 2h15m50s
